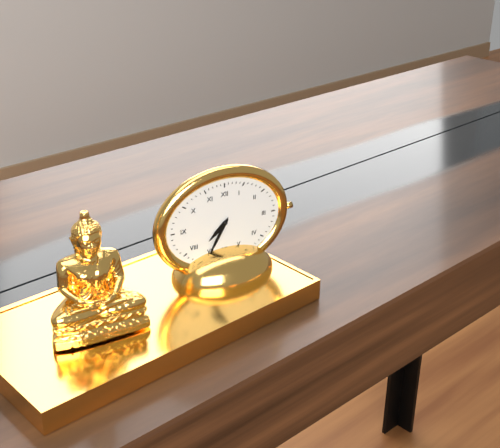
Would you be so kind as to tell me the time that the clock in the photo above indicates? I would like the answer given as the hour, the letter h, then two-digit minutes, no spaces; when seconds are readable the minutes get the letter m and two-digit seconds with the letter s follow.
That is 7h35
